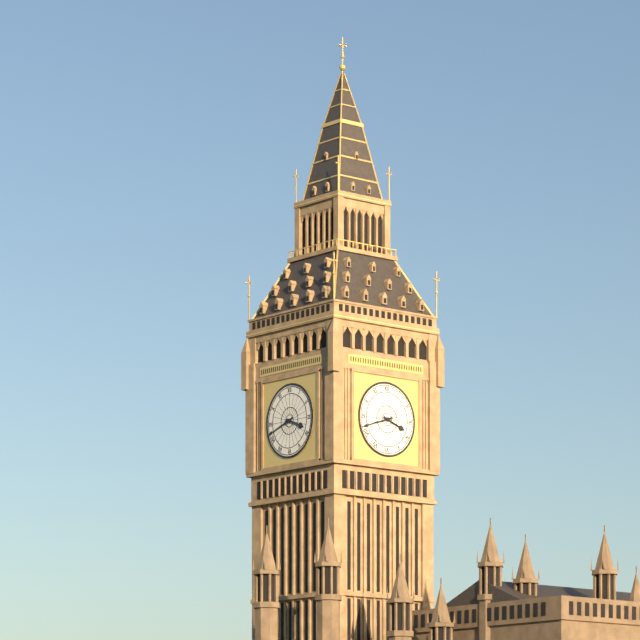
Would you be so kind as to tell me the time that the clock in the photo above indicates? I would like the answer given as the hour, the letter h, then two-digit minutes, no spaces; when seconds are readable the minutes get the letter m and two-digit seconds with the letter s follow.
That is 3h42
